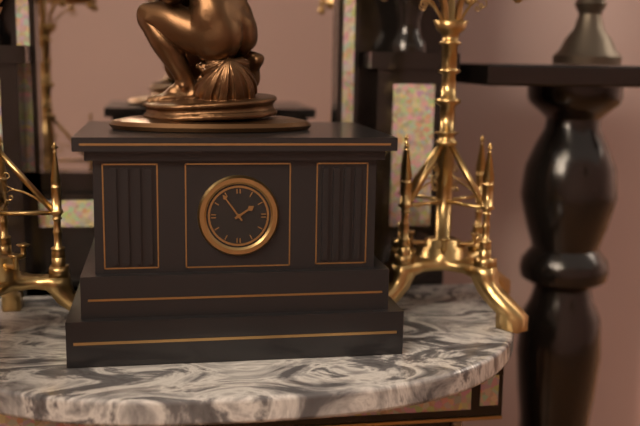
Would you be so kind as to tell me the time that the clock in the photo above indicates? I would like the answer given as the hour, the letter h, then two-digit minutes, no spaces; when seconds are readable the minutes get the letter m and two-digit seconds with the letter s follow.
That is 1h54
